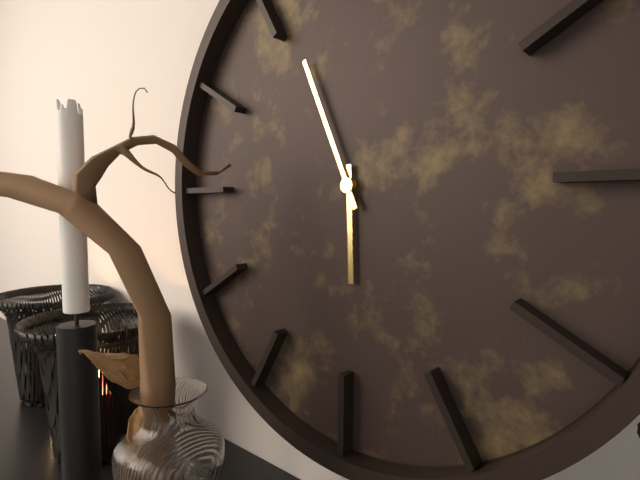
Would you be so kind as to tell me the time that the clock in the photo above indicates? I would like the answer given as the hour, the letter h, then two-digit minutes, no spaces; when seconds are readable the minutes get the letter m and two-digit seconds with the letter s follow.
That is 5h56
